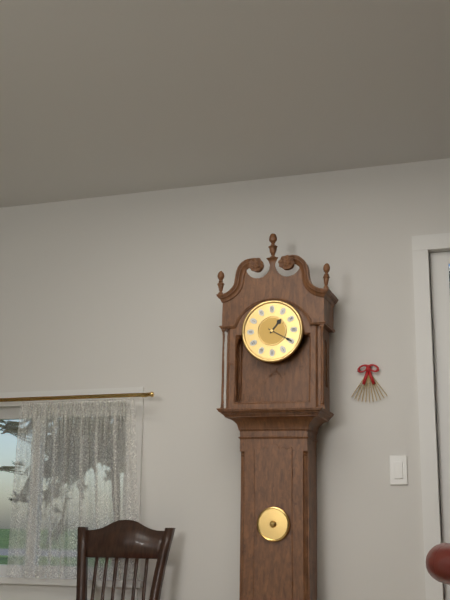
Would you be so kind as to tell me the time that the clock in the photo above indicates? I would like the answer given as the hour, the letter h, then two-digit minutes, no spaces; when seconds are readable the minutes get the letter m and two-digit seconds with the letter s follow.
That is 1h20
